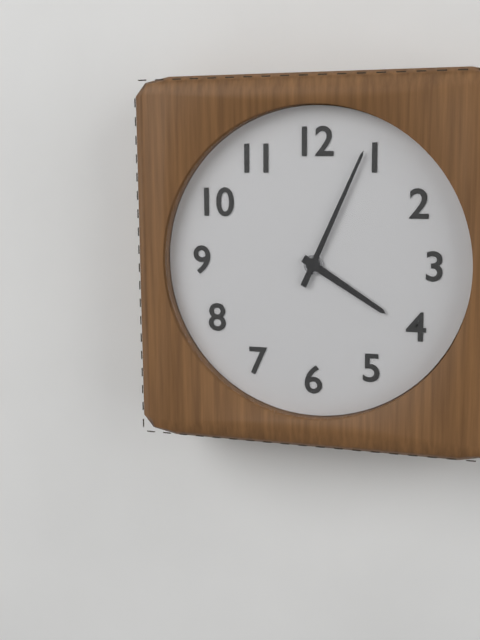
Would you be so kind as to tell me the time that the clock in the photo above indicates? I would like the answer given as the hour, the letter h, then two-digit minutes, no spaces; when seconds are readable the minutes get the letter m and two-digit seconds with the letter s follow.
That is 4h04
